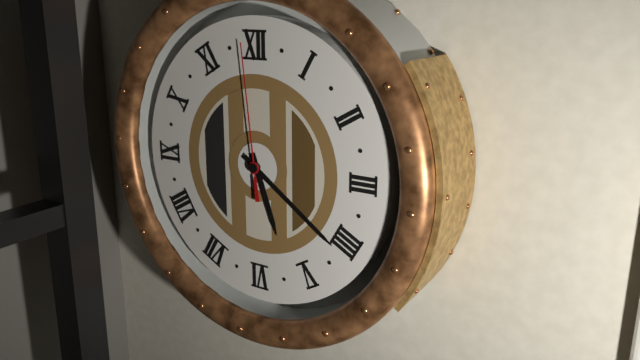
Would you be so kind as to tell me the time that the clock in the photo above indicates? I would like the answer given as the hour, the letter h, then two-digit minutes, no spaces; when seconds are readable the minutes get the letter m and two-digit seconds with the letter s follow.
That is 5h21m59s
